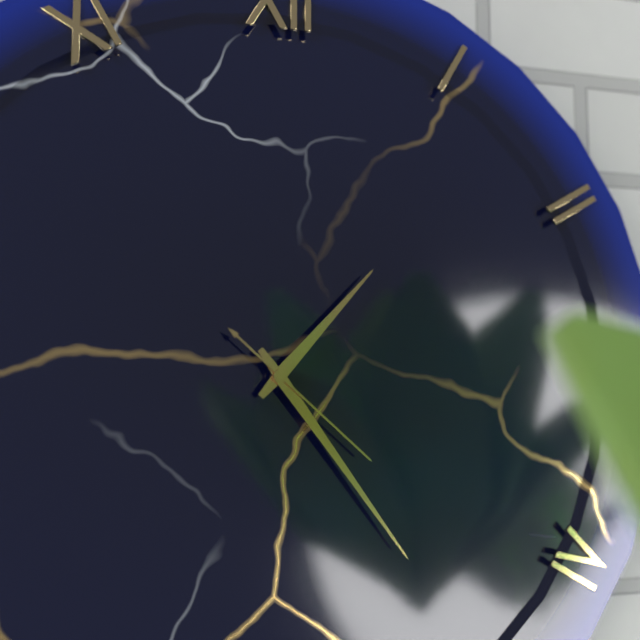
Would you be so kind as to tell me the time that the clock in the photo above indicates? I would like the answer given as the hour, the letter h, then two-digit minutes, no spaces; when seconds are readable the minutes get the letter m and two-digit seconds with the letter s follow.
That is 1h24m22s
